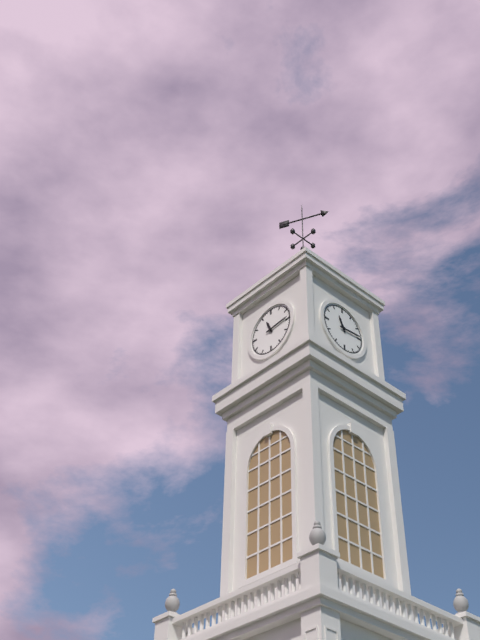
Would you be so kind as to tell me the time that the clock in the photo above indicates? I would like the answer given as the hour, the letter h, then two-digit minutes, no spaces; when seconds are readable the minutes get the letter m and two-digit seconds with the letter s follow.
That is 11h14
